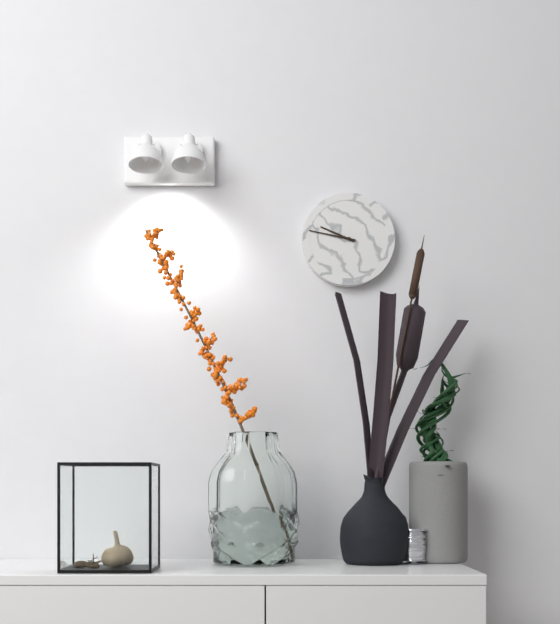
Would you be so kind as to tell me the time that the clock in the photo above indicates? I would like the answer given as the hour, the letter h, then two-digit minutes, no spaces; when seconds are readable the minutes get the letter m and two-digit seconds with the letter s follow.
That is 9h47
